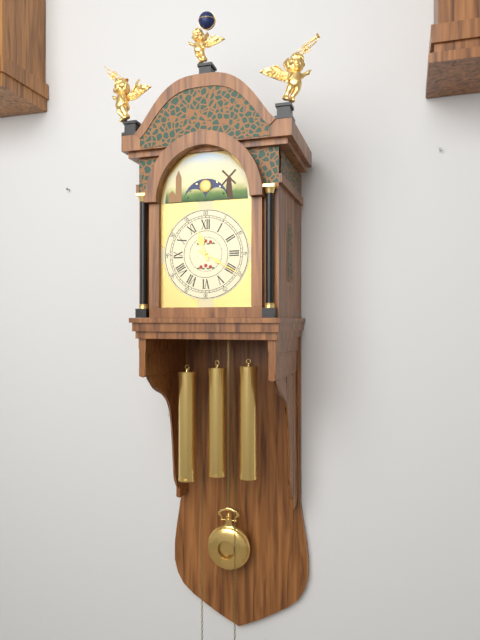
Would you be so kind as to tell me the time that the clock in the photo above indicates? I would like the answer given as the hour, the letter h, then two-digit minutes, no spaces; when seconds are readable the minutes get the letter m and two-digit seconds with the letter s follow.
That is 11h20
